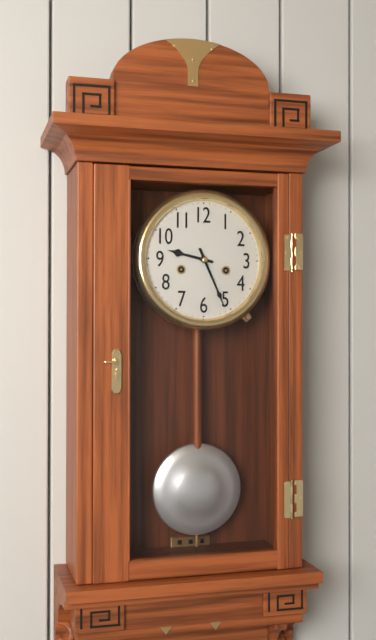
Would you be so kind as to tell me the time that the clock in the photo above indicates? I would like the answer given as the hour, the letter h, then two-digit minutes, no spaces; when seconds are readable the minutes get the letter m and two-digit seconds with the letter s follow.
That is 9h26
